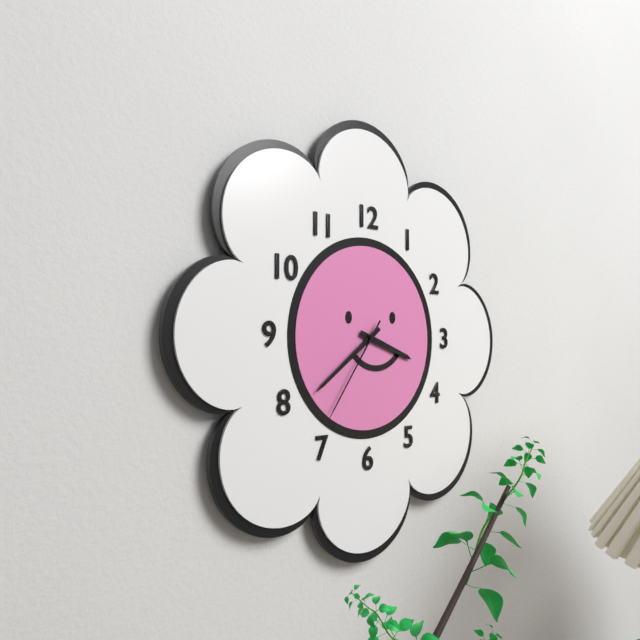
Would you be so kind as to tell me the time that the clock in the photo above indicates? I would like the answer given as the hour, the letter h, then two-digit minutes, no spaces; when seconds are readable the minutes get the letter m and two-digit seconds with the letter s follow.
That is 3h39m36s
